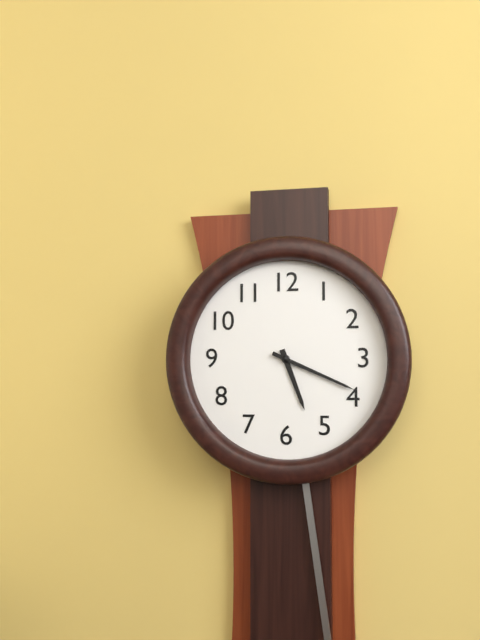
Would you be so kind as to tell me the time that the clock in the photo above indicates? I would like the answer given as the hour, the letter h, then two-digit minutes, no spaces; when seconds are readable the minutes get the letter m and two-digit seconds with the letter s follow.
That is 5h19
